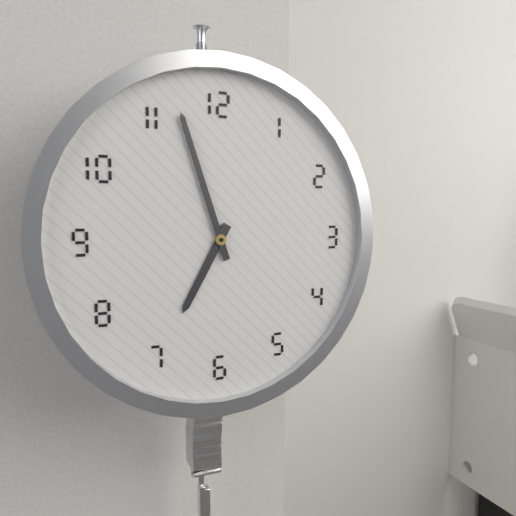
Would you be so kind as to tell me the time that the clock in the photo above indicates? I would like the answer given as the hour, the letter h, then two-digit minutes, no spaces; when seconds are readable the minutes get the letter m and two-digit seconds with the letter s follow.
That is 6h57
